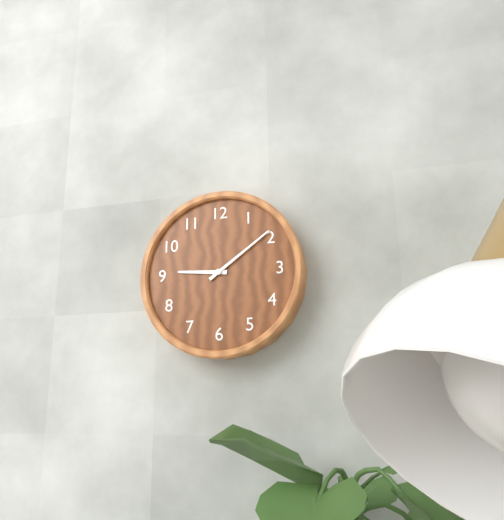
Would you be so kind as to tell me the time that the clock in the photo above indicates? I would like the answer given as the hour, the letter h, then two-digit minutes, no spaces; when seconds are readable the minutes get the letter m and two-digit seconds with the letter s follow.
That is 9h09
